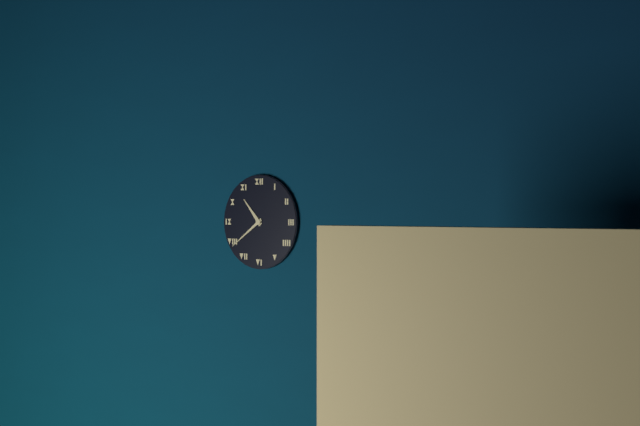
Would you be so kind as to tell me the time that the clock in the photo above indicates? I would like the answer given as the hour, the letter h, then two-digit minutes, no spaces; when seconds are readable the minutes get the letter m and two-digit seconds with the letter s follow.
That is 10h39
